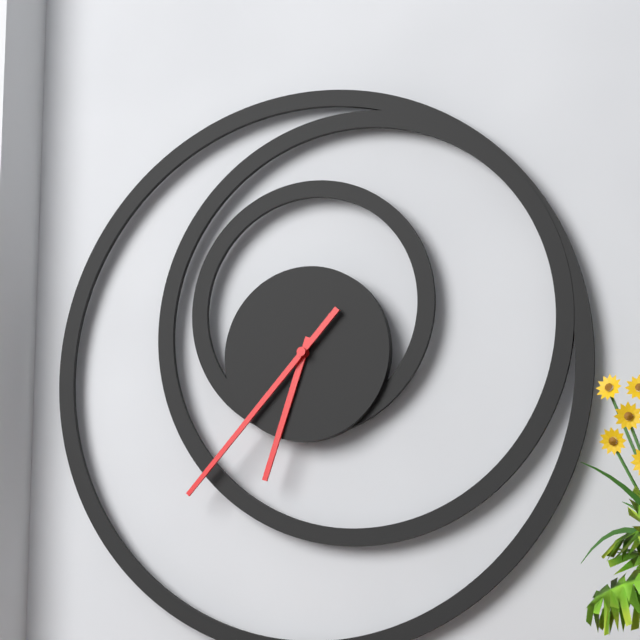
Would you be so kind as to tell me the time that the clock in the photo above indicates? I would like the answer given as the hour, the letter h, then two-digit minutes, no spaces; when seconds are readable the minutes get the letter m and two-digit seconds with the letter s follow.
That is 6h37
